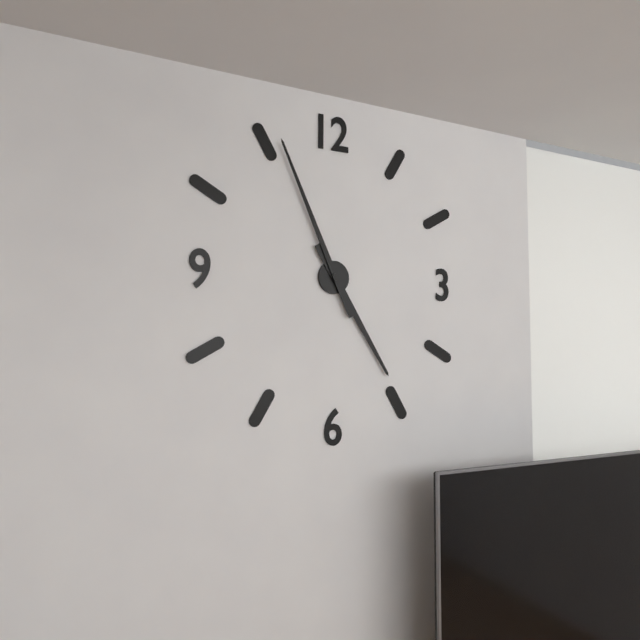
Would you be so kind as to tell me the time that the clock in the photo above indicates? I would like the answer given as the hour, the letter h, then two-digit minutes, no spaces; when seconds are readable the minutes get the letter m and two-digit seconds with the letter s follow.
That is 4h56
